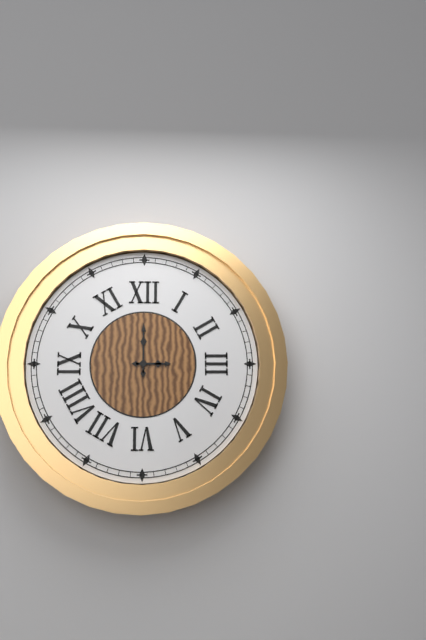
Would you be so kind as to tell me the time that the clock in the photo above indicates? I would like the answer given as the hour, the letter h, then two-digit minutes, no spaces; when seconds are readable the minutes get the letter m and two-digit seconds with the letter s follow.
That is 3h00
